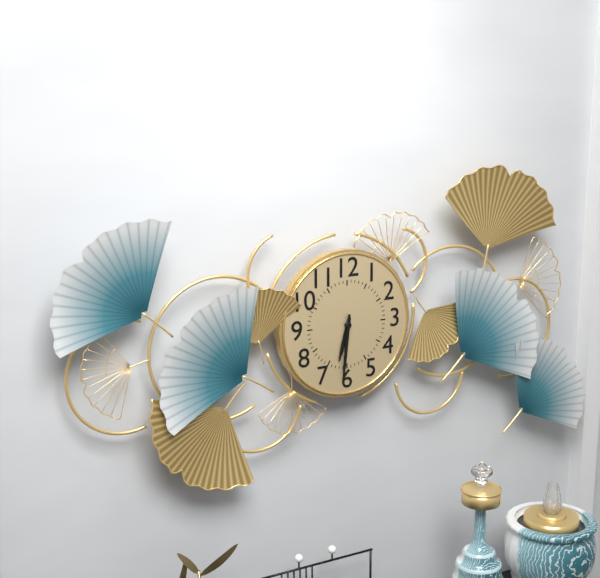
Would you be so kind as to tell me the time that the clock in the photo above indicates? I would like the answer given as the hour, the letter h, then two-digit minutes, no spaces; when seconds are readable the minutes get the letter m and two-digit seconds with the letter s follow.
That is 6h31
